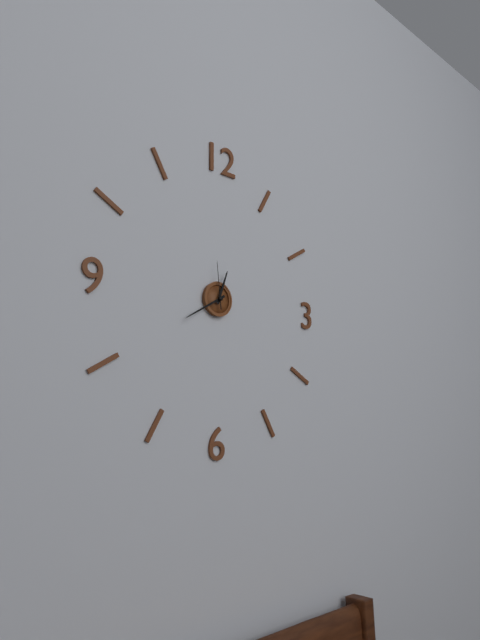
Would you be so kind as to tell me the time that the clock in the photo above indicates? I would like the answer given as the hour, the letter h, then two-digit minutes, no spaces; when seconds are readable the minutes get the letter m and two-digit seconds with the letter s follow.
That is 12h40
